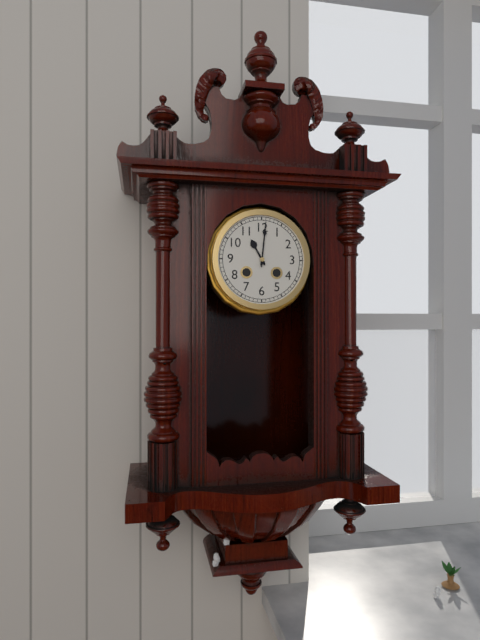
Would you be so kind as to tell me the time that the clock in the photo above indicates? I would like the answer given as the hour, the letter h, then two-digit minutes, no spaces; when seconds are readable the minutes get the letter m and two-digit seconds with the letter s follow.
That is 11h01
